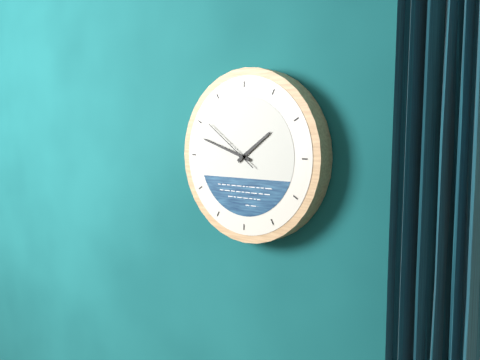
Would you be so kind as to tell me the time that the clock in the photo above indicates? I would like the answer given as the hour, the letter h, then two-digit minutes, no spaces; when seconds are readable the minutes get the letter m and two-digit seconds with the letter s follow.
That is 1h48m51s
